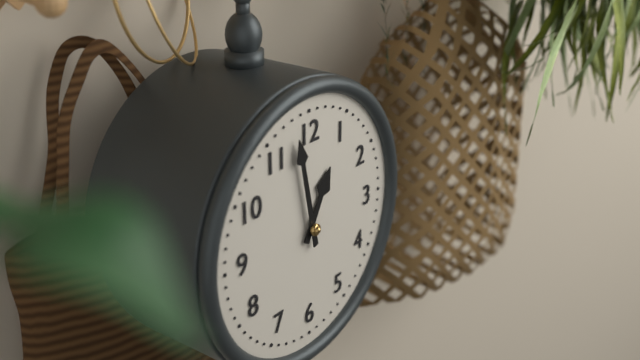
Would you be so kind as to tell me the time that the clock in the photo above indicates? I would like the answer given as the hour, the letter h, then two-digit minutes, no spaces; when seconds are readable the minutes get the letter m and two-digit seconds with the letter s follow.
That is 12h58
